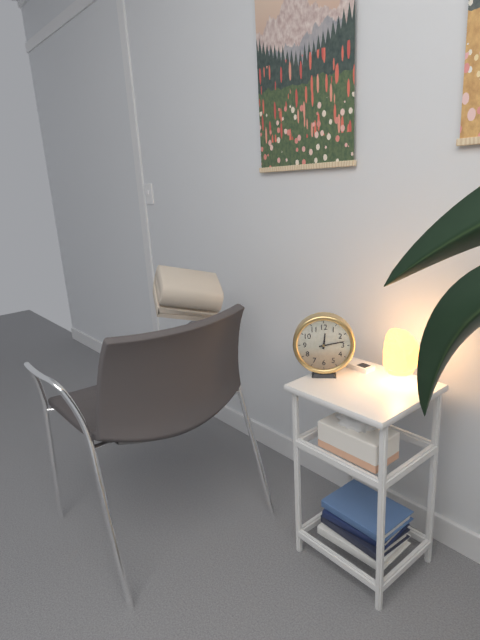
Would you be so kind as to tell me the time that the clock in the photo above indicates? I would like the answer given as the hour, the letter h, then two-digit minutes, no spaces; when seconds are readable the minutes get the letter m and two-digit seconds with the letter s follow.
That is 12h13
